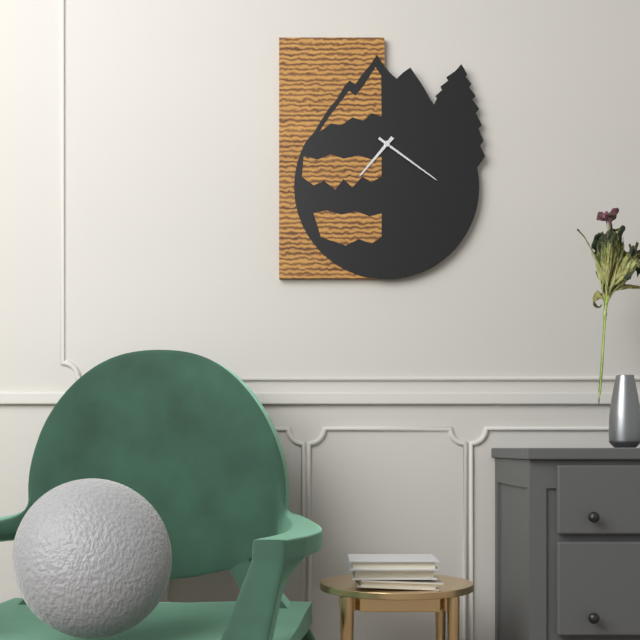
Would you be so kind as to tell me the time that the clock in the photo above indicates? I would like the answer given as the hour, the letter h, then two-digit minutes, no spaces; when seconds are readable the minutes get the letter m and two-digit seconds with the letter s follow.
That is 7h21
